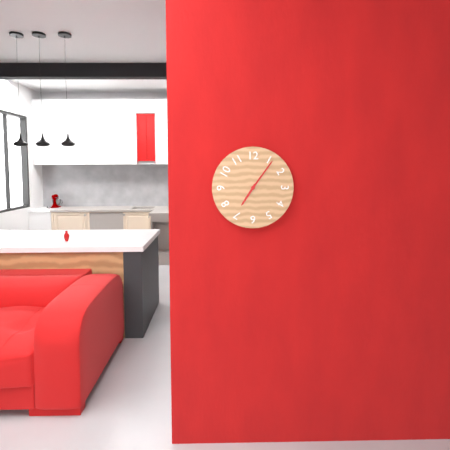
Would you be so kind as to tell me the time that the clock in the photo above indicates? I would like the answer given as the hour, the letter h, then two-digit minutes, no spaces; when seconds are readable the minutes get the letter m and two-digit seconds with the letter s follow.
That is 7h06
